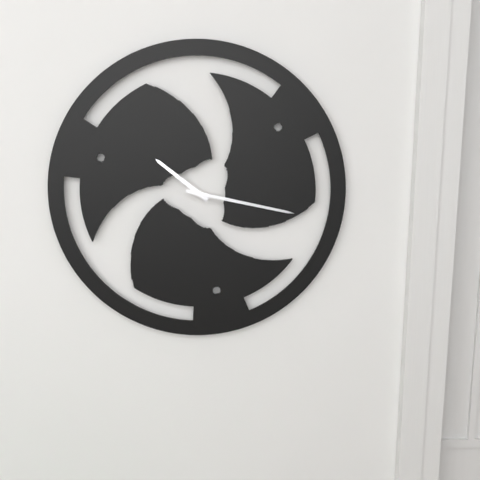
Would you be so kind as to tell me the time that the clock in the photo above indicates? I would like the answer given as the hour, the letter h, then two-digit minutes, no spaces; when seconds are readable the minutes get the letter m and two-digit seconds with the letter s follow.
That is 10h17
